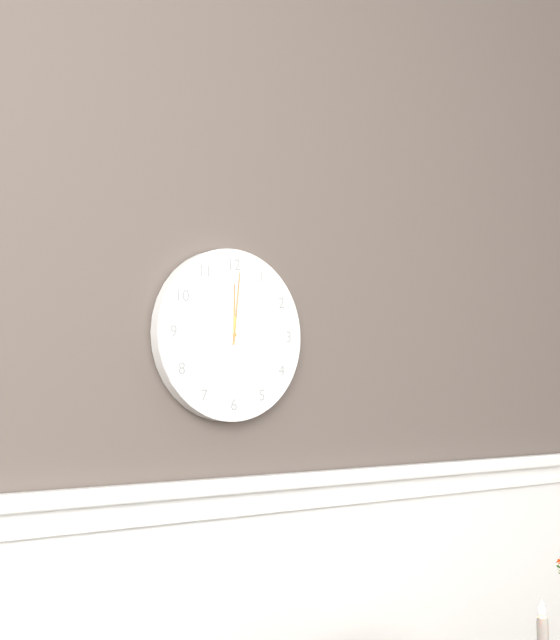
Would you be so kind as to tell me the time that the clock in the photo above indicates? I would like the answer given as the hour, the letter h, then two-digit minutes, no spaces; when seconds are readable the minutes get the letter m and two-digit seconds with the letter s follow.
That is 12h01
